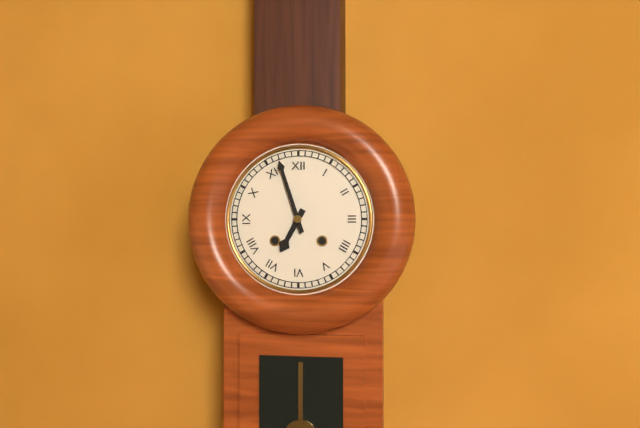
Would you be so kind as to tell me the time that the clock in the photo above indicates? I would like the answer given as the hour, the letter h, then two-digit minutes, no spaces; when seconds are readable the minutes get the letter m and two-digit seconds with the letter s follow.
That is 6h57
